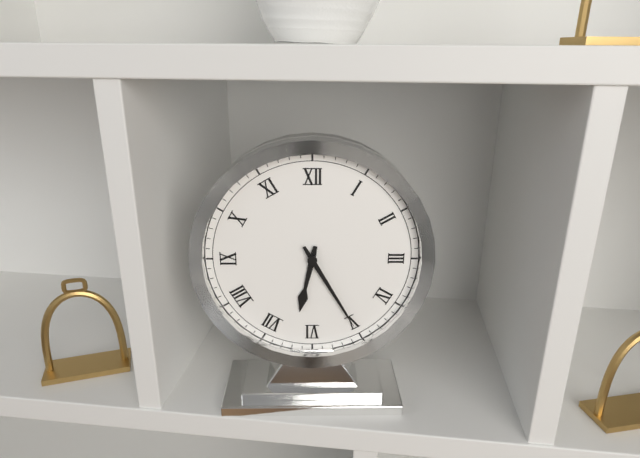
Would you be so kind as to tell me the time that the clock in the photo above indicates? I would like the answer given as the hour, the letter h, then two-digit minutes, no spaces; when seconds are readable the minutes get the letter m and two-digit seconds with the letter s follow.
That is 6h25
